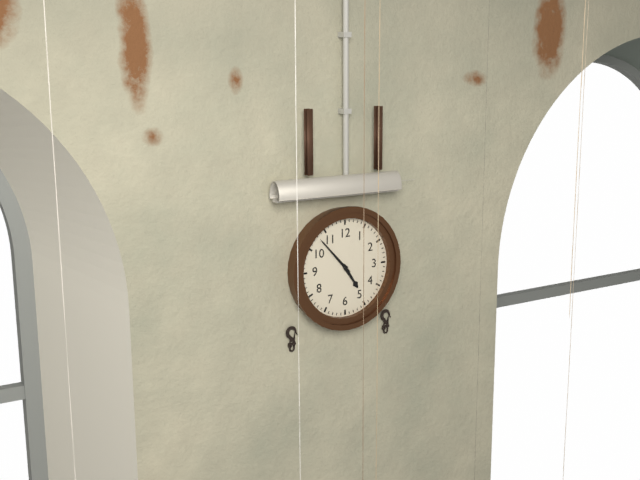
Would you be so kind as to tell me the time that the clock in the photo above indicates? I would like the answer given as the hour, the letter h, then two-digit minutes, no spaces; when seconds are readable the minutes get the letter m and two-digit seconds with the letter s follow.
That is 4h53
